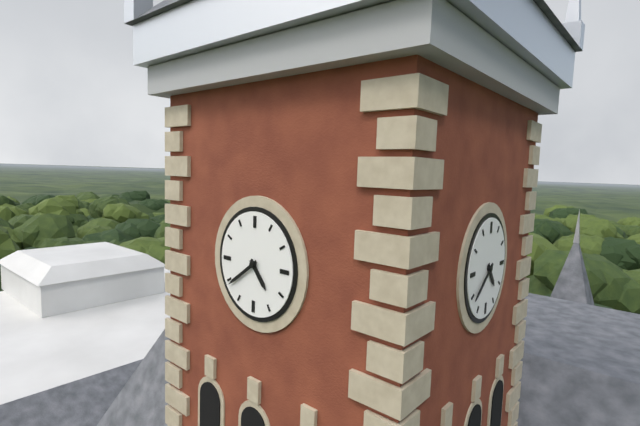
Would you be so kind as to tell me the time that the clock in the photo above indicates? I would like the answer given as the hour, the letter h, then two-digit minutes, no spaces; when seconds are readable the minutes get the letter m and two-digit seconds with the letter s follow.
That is 4h39
